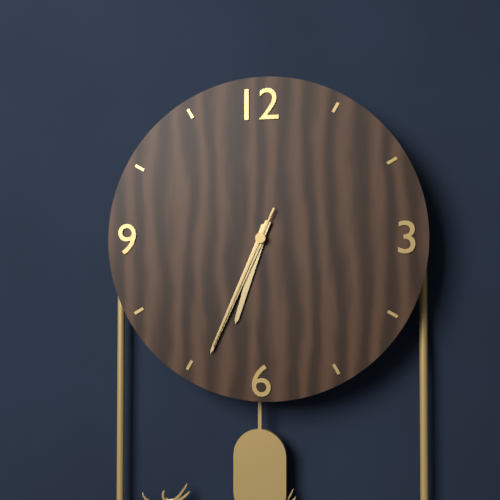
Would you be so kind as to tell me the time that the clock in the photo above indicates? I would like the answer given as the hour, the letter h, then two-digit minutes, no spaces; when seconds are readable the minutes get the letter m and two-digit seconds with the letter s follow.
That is 6h34m34s
